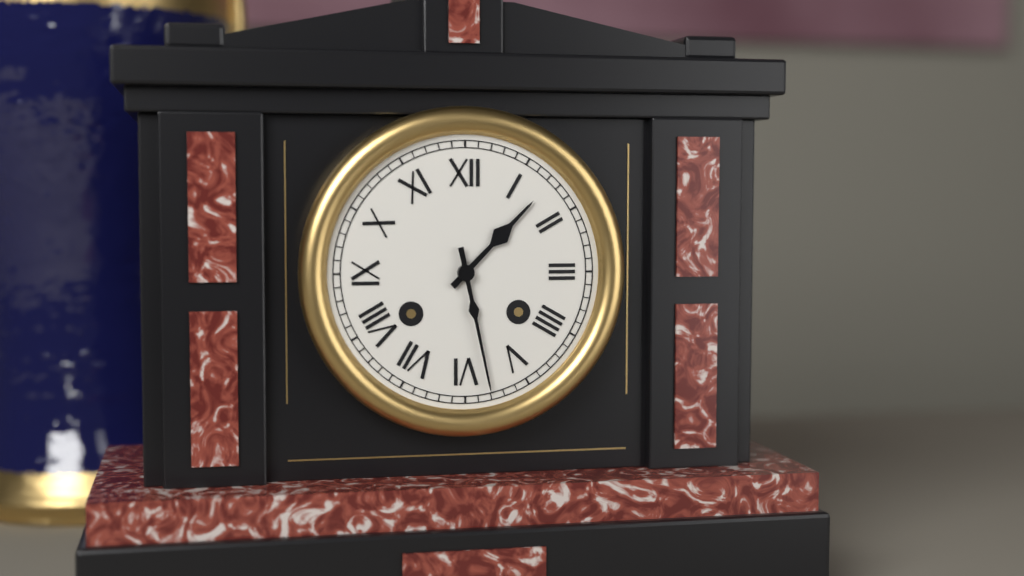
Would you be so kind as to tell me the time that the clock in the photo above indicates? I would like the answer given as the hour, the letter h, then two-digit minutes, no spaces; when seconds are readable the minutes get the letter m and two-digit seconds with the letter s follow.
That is 1h28
